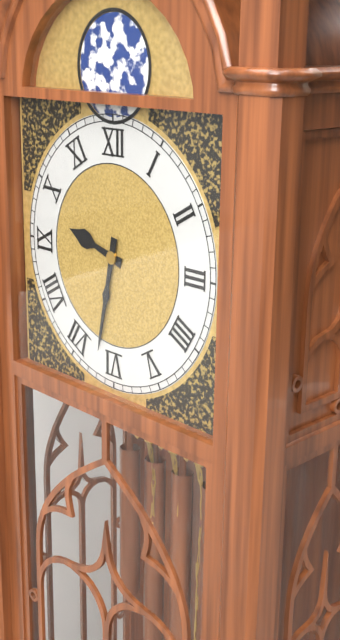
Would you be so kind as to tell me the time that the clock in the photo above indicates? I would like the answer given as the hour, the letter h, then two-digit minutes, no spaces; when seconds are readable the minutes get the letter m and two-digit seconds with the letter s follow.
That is 9h32
